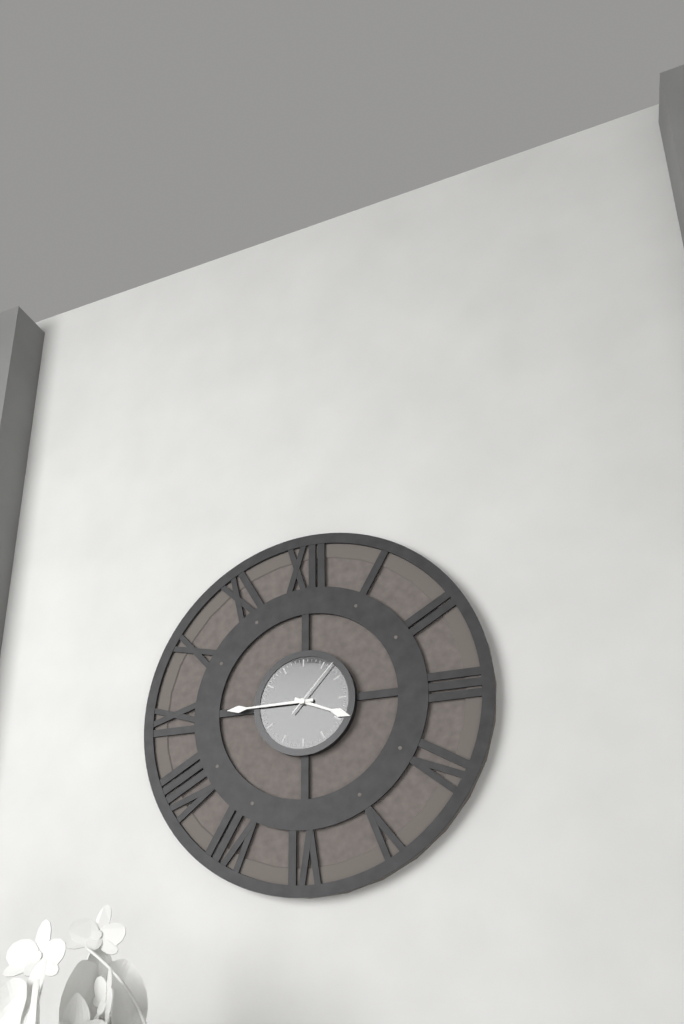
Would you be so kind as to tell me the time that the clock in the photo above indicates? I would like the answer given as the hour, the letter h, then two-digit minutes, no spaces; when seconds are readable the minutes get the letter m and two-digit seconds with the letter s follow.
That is 3h45m07s
